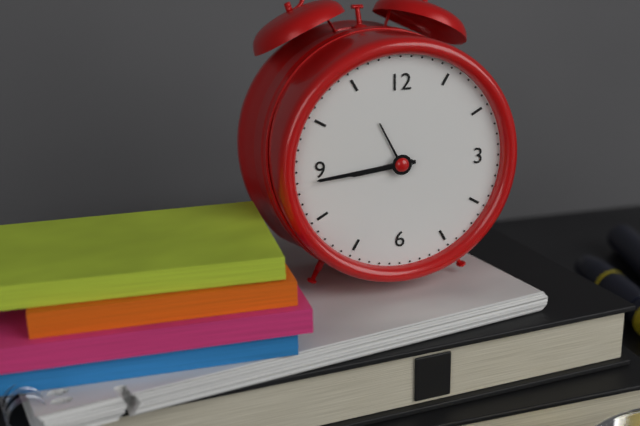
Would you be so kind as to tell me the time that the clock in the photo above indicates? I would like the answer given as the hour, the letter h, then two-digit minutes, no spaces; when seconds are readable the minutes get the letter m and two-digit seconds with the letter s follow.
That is 8h44
